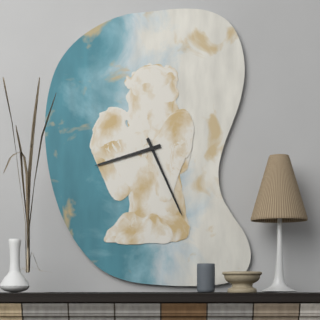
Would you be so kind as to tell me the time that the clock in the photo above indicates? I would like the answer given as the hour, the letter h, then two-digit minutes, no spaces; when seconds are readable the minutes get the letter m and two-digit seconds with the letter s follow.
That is 8h26
